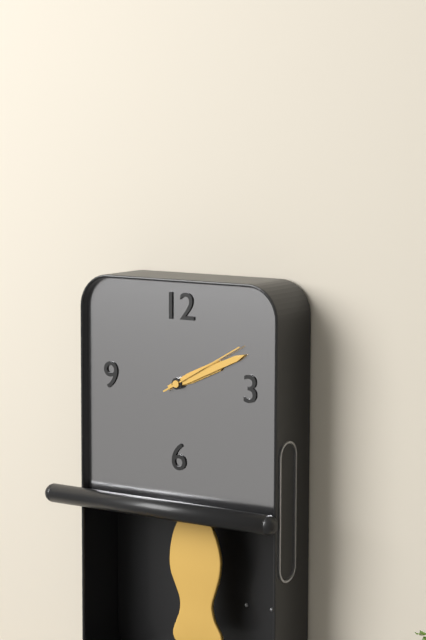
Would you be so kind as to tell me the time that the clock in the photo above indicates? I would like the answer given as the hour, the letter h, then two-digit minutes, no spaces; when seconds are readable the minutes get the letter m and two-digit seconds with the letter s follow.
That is 2h11m10s
